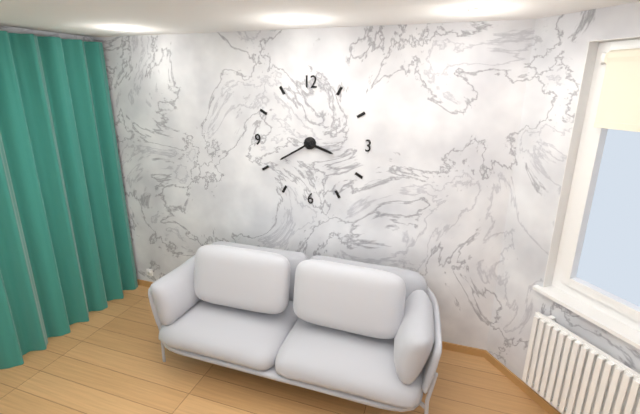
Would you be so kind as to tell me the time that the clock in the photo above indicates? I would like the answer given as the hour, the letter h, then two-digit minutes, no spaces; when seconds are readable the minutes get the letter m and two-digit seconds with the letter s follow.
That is 3h40
